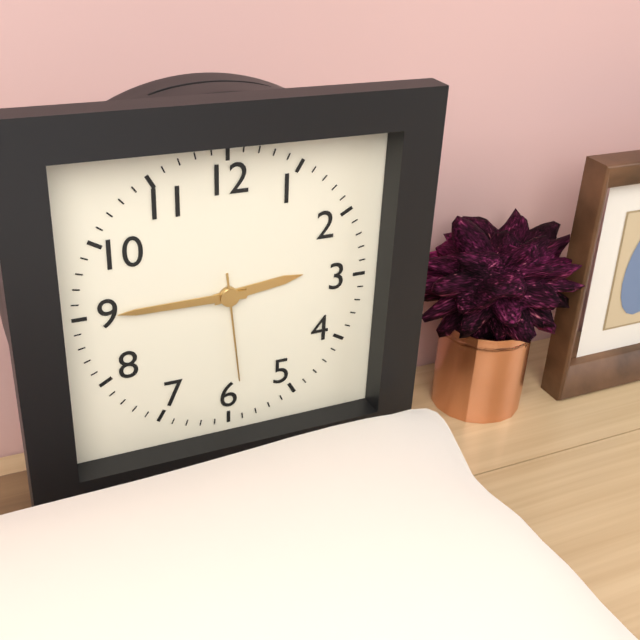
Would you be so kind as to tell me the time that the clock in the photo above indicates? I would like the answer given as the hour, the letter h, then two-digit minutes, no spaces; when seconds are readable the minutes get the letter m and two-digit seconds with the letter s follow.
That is 2h45m29s
